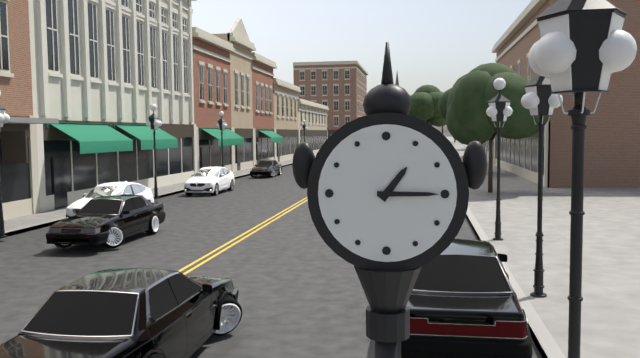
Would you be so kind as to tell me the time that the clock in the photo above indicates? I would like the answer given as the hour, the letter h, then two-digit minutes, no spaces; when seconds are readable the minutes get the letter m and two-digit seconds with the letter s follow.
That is 1h15
